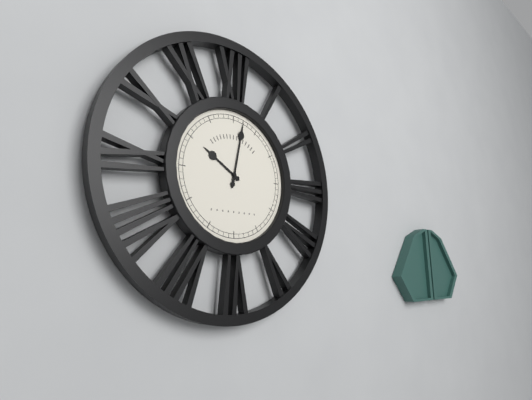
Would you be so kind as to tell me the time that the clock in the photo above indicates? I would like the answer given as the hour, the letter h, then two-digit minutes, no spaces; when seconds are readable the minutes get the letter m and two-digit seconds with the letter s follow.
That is 10h02
